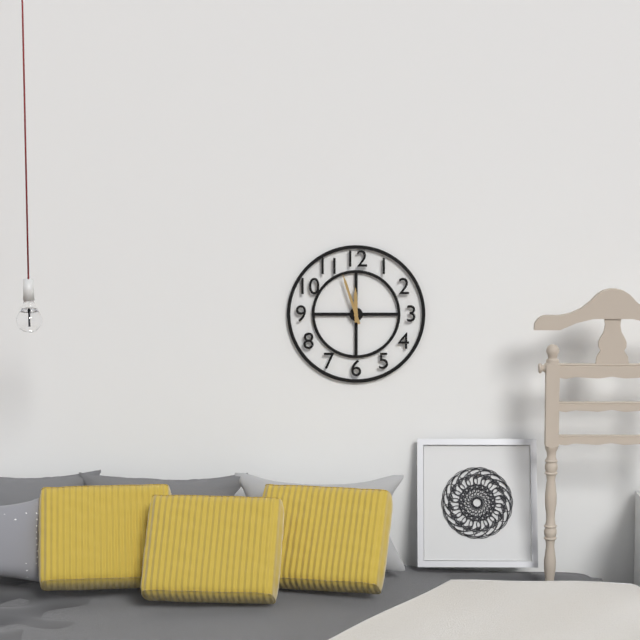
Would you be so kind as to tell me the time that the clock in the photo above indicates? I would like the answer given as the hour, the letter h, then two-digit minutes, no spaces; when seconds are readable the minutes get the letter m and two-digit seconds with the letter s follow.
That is 11h57
